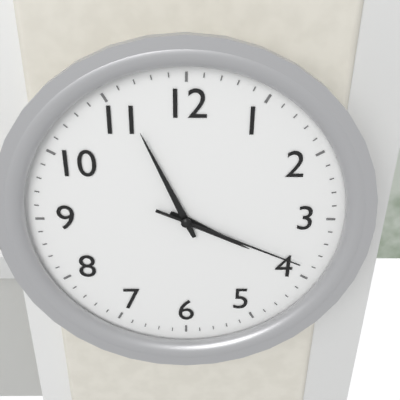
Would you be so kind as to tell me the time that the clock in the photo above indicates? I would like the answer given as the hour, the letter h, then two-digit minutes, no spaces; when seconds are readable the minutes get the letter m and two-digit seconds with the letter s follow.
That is 3h56m19s
